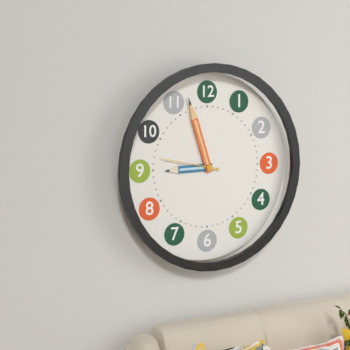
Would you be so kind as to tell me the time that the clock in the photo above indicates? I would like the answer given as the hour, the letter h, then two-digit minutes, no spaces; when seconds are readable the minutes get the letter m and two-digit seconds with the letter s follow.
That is 8h57m47s
